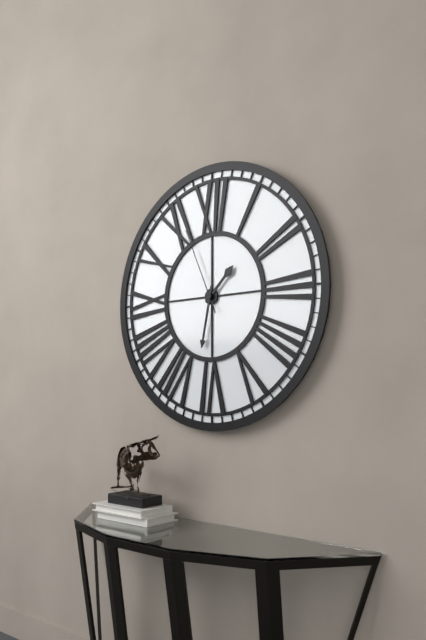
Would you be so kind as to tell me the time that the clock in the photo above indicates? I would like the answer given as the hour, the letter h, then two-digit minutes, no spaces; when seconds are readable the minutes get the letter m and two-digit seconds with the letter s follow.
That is 1h32m56s
